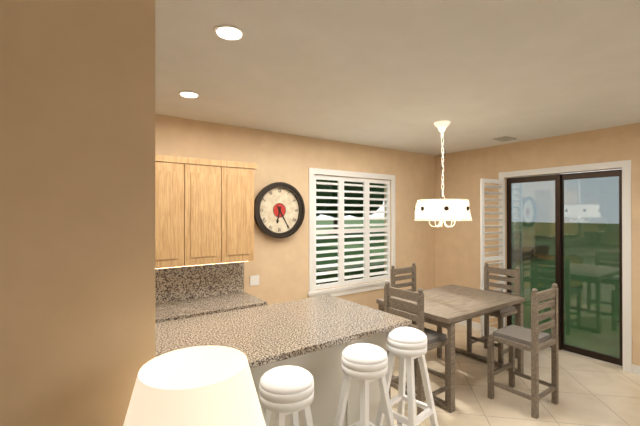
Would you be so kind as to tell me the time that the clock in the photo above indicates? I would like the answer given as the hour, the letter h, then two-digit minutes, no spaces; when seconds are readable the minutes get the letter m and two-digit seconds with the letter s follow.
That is 6h25
